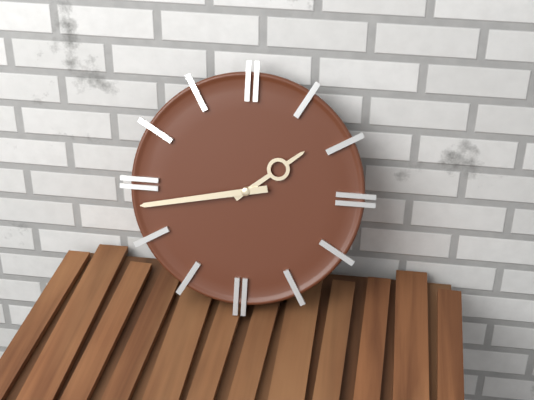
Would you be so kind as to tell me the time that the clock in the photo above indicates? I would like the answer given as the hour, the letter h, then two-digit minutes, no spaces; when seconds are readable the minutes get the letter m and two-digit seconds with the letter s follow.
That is 1h43
